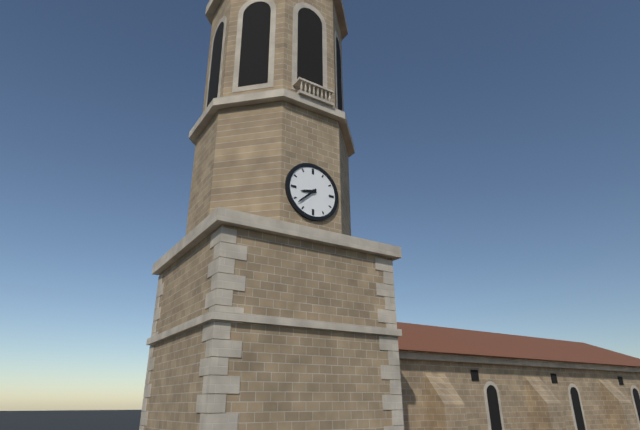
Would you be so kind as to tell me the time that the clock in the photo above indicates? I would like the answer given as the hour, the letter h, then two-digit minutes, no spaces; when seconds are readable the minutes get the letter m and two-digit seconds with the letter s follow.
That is 8h38
